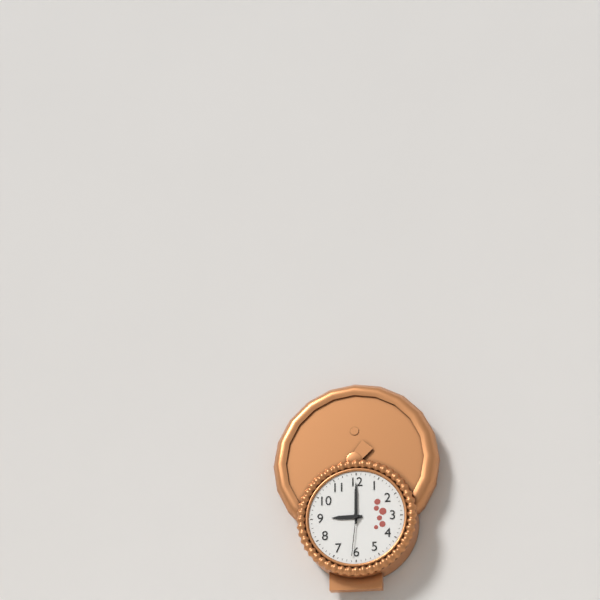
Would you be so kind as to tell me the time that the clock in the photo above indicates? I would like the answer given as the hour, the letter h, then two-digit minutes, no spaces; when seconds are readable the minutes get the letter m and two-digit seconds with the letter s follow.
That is 9h00
